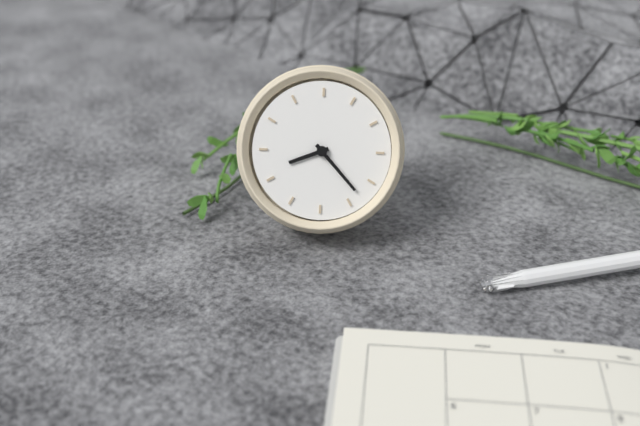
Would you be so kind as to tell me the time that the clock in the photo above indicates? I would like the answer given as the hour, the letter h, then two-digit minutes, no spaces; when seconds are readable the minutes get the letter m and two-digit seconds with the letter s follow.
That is 7h18
